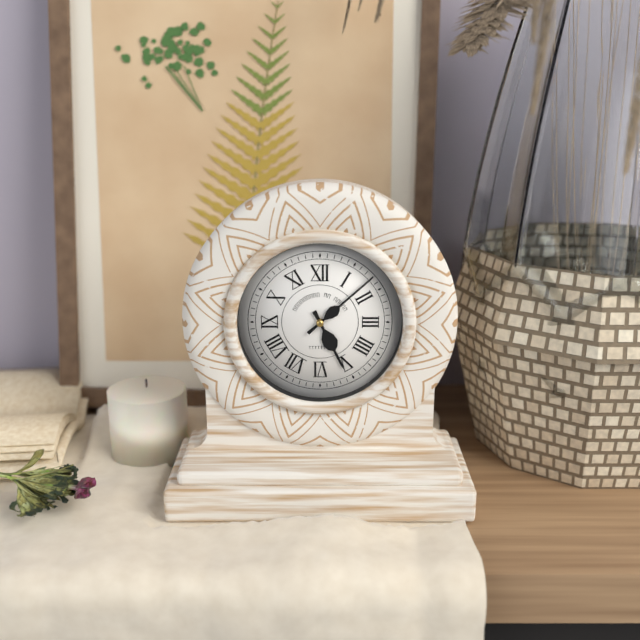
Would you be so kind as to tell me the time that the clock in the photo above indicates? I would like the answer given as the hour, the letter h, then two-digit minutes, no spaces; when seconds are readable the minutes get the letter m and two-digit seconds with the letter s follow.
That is 5h08
